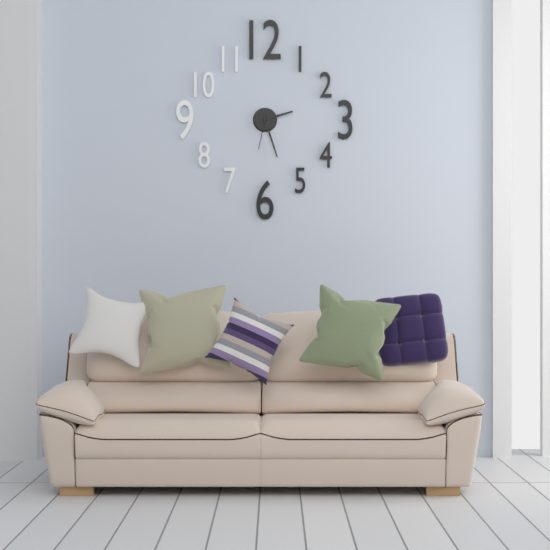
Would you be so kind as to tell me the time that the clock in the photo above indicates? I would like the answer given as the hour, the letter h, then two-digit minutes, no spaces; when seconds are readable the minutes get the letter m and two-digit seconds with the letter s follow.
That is 2h27
